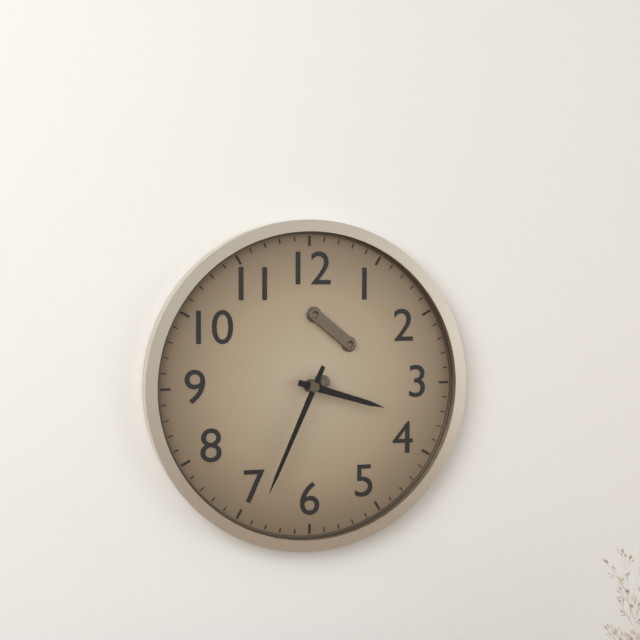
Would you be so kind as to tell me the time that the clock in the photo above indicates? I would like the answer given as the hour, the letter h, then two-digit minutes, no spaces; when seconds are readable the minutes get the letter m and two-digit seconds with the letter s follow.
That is 3h34
